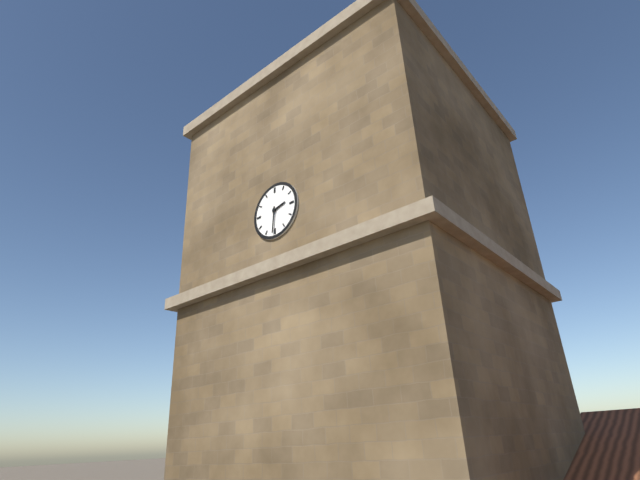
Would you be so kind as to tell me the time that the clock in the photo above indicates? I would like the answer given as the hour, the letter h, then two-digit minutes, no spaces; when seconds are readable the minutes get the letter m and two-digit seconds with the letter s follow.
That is 2h31
